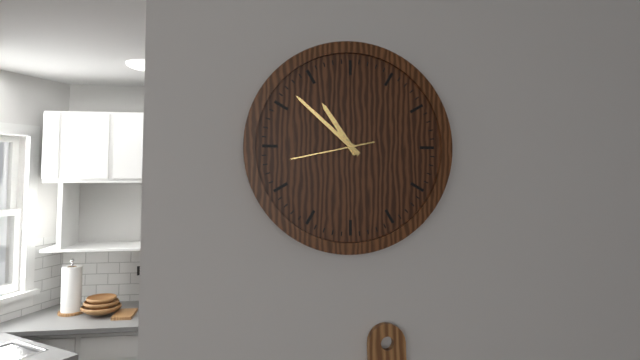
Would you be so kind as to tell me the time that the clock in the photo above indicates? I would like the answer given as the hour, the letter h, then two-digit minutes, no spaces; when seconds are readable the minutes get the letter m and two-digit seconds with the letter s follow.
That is 10h52m43s
